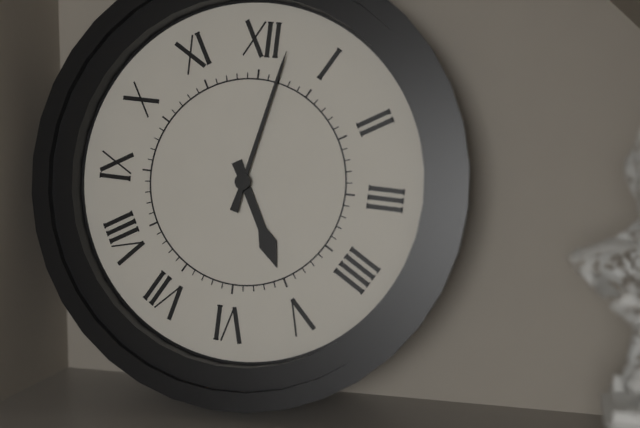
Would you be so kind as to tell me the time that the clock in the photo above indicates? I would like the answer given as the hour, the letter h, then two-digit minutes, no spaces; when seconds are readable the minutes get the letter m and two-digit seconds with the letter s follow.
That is 5h02
